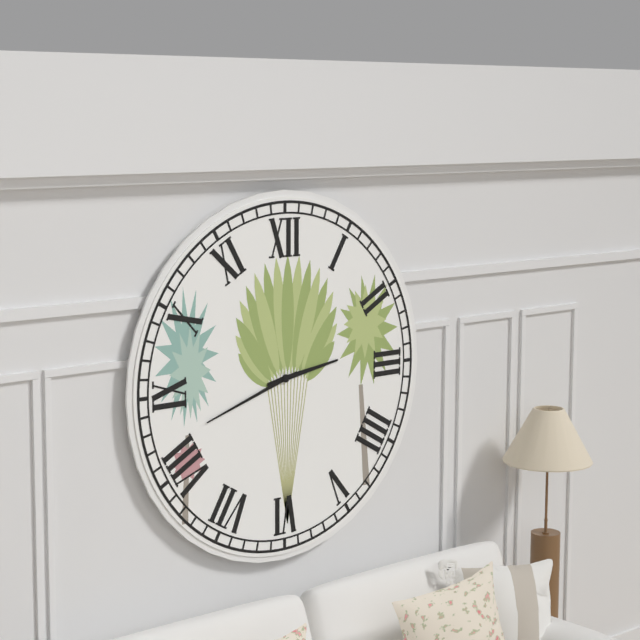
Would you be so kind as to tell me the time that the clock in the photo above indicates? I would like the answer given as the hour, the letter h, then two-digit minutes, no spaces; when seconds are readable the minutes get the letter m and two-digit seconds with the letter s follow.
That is 2h42
